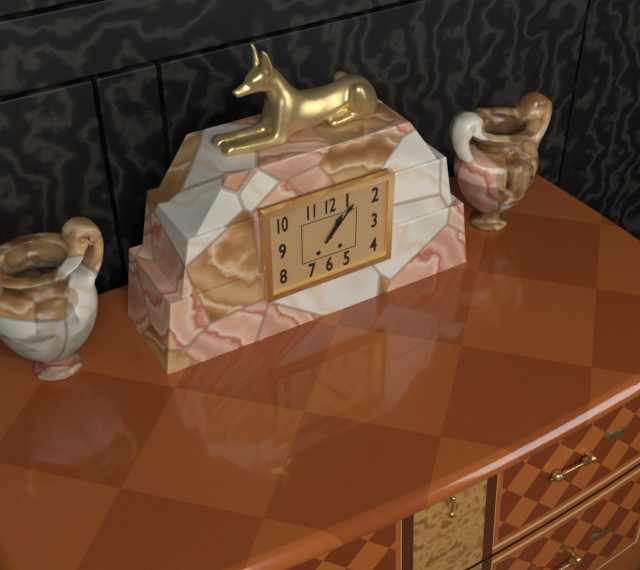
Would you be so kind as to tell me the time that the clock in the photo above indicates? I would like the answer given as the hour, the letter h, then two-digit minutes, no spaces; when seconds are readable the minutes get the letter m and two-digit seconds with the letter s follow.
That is 1h07
